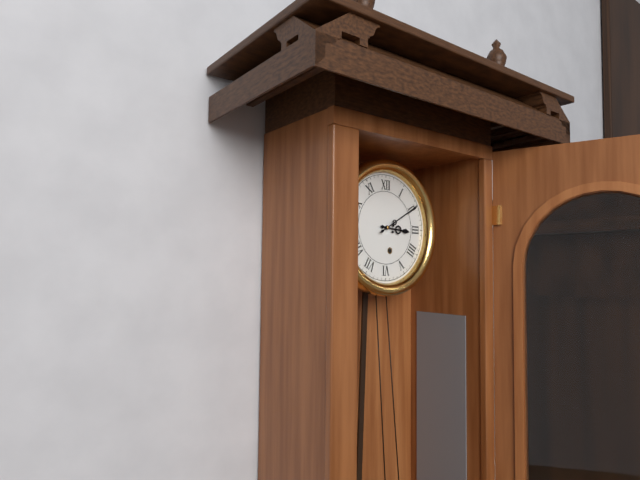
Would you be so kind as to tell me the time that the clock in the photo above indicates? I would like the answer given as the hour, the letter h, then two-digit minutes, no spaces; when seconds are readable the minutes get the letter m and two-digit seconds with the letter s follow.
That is 3h10
